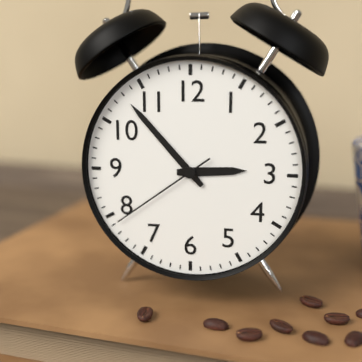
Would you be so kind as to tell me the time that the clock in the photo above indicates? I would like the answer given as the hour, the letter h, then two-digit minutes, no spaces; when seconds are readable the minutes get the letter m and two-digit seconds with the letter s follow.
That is 2h53m39s
